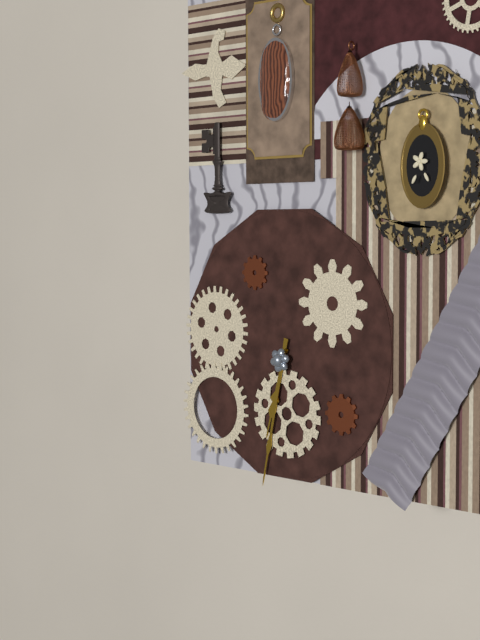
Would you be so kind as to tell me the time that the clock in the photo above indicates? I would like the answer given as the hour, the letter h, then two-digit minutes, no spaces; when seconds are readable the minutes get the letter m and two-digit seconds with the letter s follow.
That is 6h32
